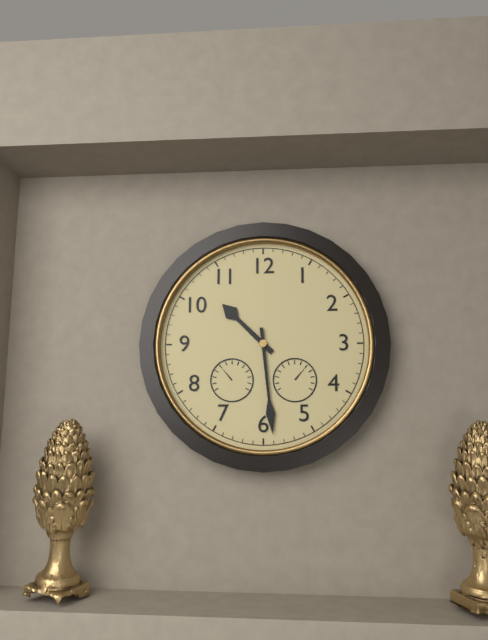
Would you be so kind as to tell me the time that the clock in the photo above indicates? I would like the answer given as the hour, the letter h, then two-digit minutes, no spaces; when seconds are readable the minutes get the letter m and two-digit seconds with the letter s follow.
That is 10h29
